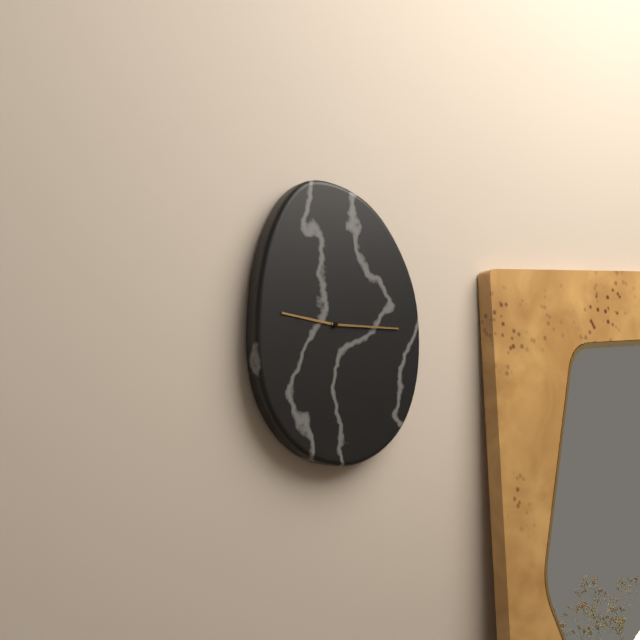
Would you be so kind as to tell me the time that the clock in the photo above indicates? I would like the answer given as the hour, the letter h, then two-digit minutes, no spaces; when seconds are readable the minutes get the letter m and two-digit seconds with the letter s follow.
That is 9h15
